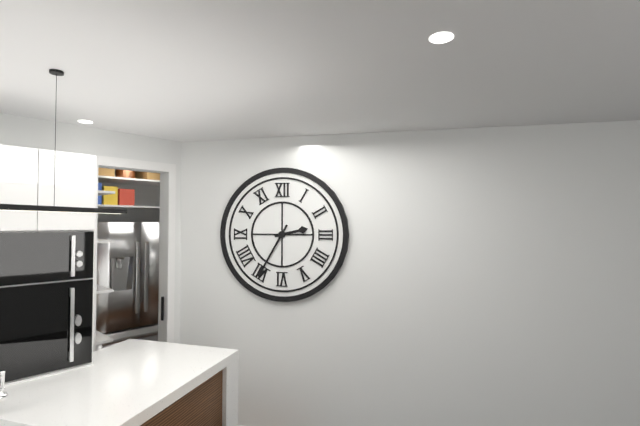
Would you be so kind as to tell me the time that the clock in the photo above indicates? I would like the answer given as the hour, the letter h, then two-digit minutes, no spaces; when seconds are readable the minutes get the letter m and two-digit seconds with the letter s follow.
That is 2h35
